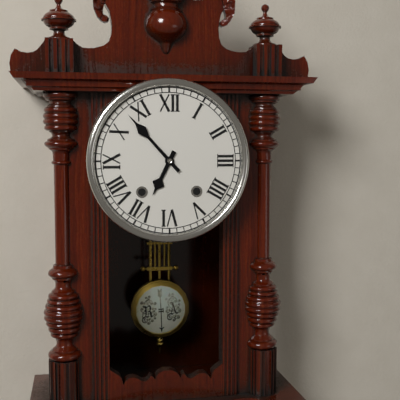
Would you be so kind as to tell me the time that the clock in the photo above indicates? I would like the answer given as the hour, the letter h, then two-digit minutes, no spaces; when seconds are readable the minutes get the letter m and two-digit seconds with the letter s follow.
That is 6h53
